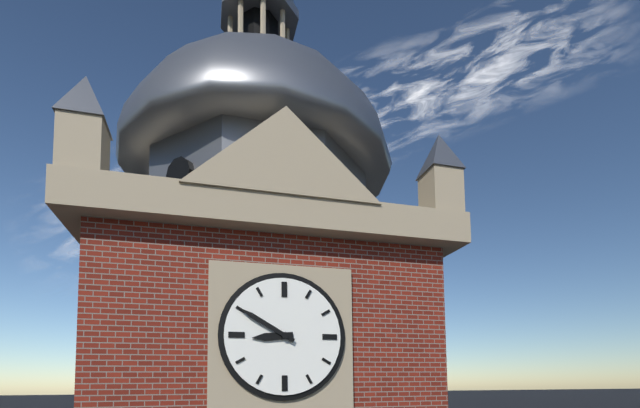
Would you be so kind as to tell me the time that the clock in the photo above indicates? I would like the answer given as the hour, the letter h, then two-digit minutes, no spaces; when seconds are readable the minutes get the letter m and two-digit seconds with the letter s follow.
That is 8h50
